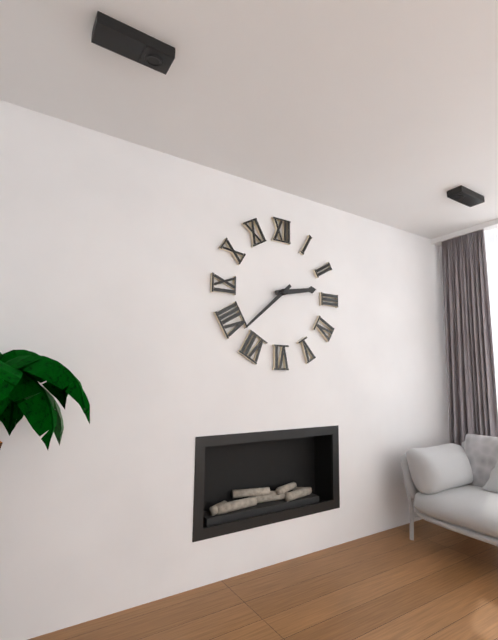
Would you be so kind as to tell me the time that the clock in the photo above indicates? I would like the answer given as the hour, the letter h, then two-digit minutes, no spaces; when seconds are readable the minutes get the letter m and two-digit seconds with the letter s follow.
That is 2h38
